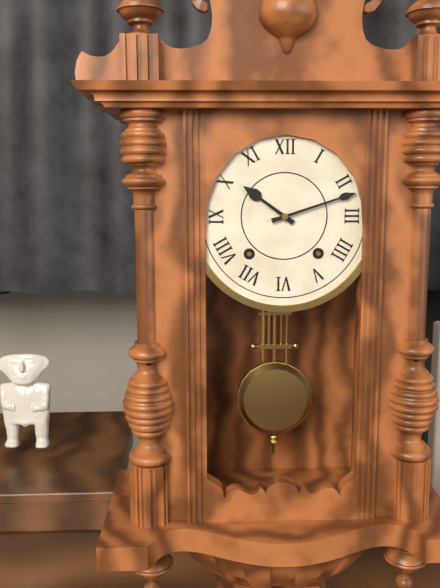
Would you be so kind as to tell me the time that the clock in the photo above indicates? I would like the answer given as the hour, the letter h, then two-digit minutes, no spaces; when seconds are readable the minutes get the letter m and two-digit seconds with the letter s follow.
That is 10h12
